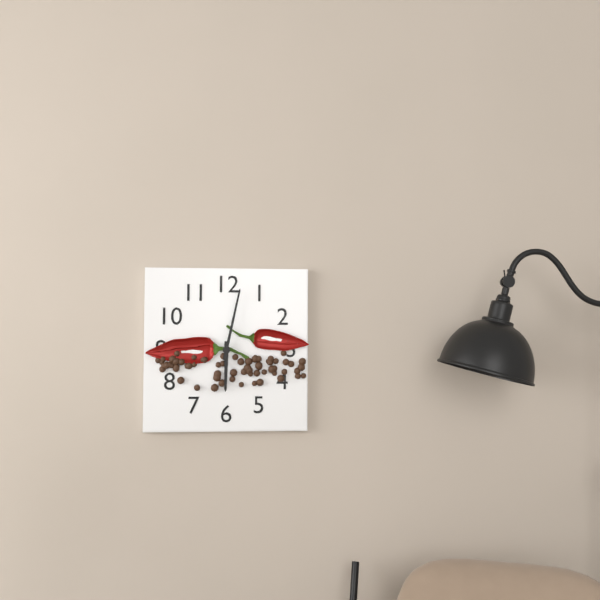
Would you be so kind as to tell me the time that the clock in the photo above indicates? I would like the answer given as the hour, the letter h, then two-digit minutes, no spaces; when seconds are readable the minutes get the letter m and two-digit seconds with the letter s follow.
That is 6h02
